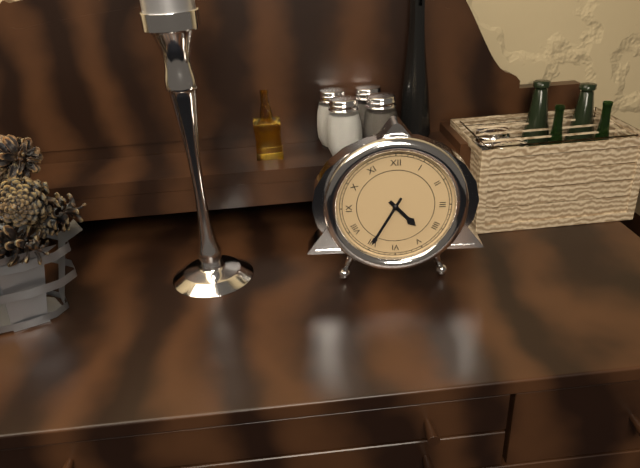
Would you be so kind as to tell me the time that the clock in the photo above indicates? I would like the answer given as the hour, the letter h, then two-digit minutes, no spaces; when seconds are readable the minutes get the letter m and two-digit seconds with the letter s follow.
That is 4h35
